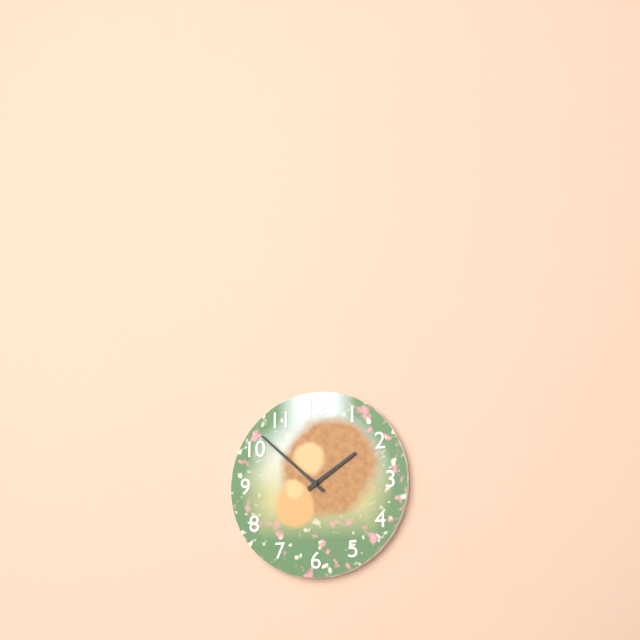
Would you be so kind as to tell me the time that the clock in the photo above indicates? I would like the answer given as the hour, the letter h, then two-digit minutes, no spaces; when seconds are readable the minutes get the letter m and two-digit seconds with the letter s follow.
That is 1h52
